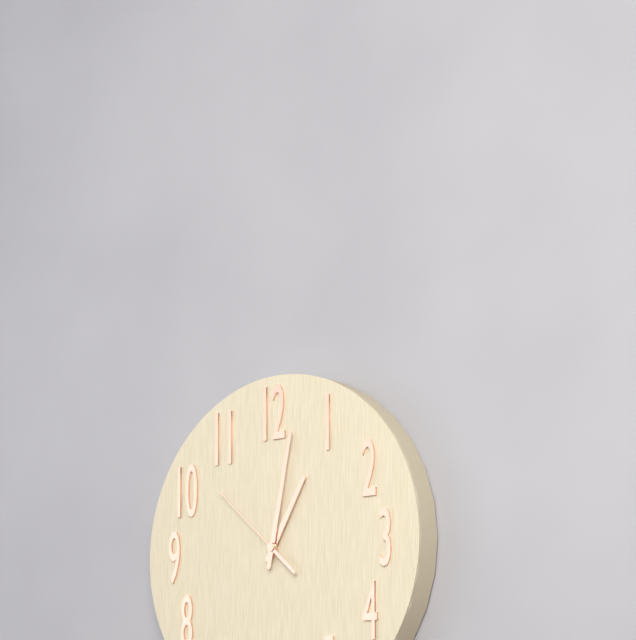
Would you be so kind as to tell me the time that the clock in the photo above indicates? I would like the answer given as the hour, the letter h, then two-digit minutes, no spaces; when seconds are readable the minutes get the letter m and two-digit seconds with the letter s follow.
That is 1h02m52s
